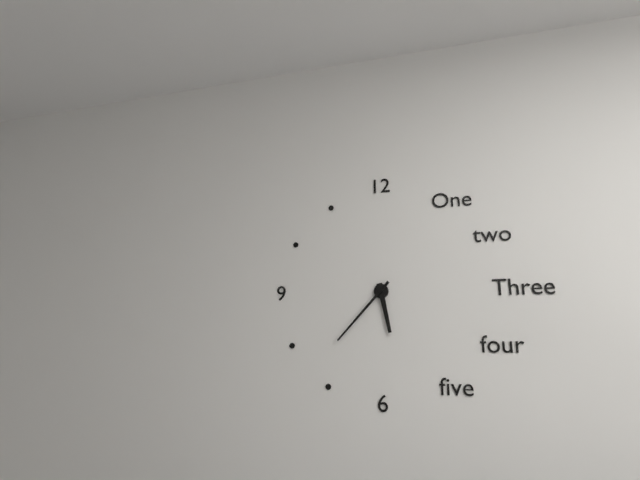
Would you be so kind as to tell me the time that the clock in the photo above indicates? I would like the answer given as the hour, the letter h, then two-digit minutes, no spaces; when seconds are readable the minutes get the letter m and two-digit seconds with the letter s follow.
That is 5h37
